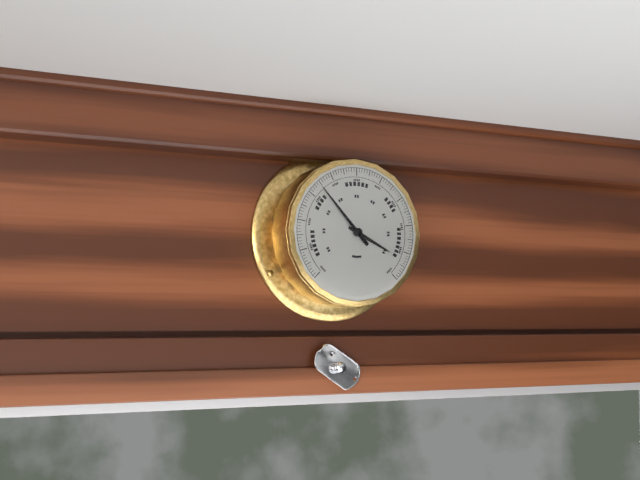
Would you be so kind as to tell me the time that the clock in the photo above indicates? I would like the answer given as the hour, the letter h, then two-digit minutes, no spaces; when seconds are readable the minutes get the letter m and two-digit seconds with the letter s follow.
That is 3h53
